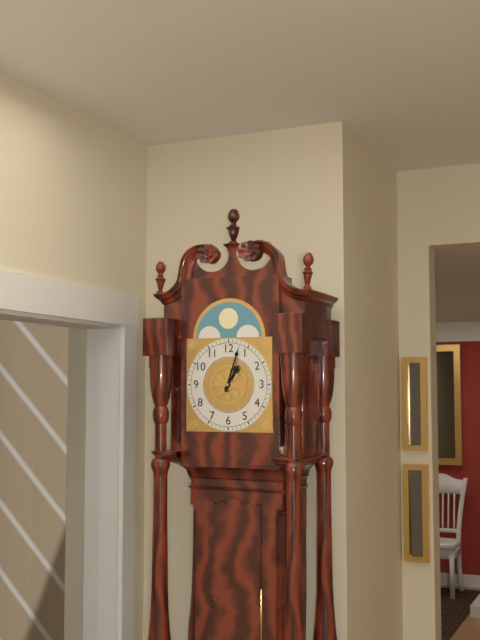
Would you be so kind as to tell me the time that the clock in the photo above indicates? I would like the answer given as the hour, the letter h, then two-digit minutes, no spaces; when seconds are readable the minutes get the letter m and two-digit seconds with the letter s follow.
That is 1h03
